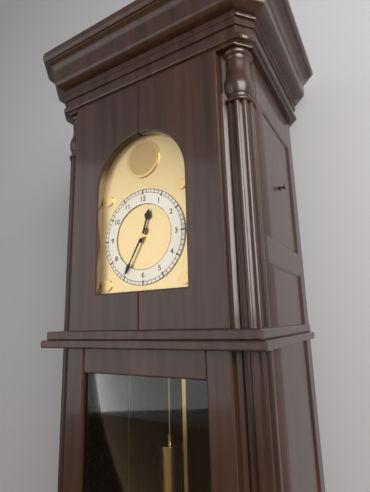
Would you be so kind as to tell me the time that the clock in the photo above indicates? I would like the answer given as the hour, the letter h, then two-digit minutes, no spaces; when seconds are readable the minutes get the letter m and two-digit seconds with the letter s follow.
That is 12h35
